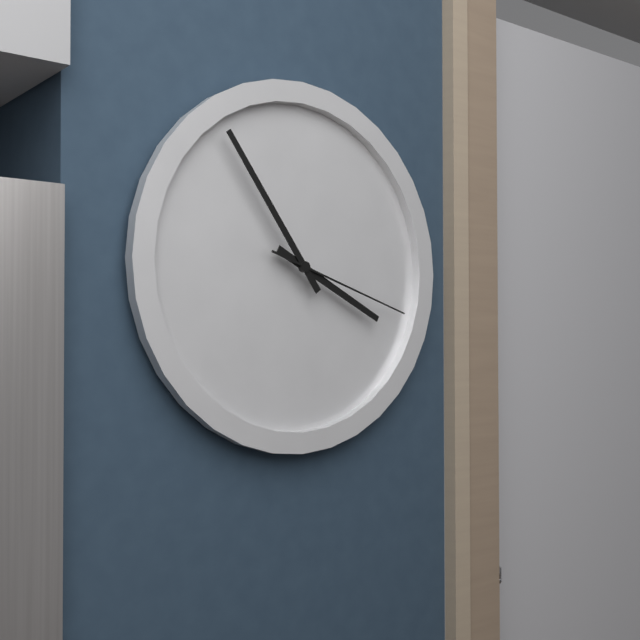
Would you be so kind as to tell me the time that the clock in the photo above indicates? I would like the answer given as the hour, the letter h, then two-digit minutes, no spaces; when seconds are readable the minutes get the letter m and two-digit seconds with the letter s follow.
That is 3h54m18s
